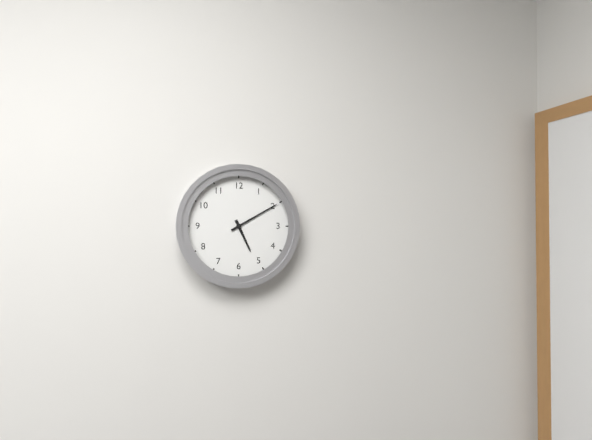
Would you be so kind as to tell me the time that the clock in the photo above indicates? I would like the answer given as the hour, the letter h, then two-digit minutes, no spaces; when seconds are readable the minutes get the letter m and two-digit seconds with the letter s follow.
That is 5h10
